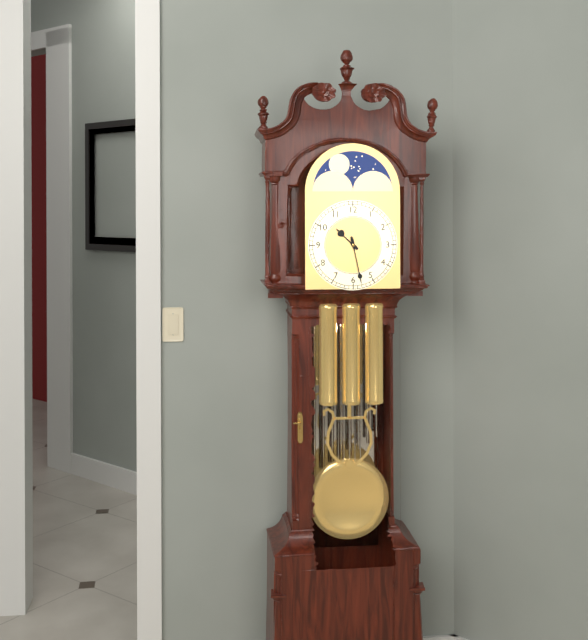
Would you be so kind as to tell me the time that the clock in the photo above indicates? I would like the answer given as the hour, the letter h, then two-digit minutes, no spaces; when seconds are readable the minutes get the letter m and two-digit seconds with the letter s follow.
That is 10h28
